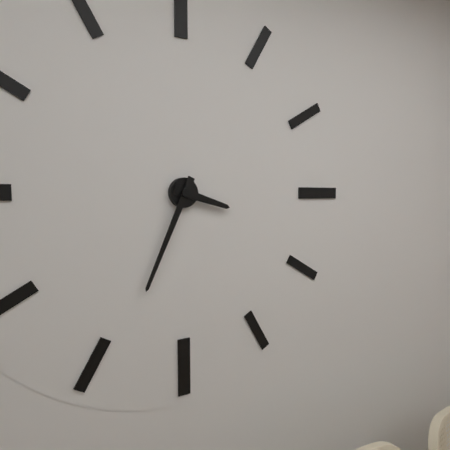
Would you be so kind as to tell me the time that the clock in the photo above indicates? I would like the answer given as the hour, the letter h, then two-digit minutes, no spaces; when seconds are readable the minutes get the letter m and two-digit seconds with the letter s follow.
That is 3h34
